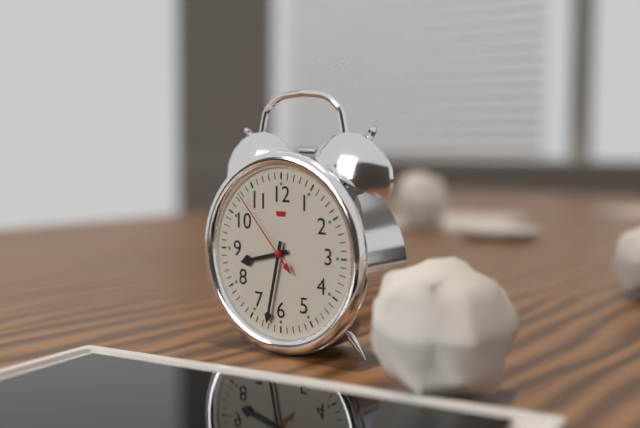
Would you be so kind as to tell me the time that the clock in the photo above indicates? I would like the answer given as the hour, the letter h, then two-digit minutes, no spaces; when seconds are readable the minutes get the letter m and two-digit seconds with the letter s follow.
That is 8h32m53s
